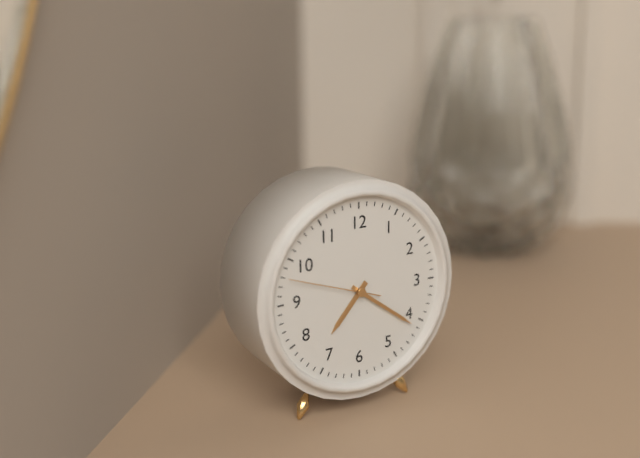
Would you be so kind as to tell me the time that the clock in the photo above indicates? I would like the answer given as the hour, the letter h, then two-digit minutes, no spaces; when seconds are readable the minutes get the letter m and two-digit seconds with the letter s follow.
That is 7h21m48s
